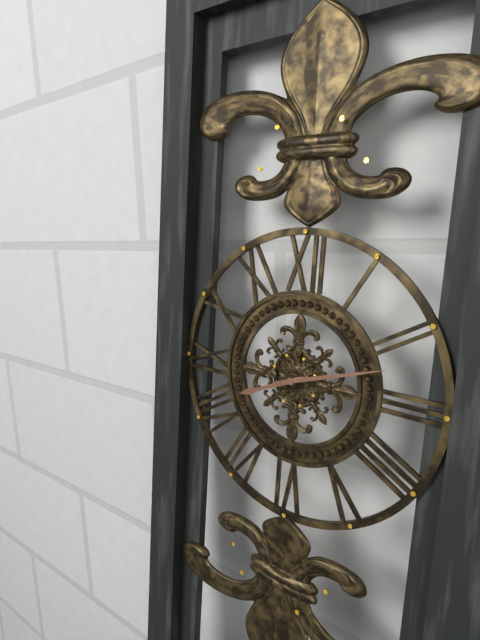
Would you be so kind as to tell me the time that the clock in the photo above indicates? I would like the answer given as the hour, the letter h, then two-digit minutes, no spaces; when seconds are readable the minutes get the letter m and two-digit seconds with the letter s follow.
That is 8h12
